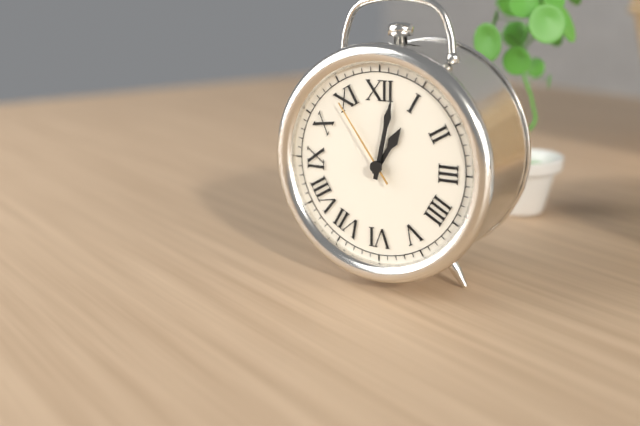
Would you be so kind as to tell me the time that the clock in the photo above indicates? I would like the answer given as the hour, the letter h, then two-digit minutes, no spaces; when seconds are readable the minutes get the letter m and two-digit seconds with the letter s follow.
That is 1h02m54s
